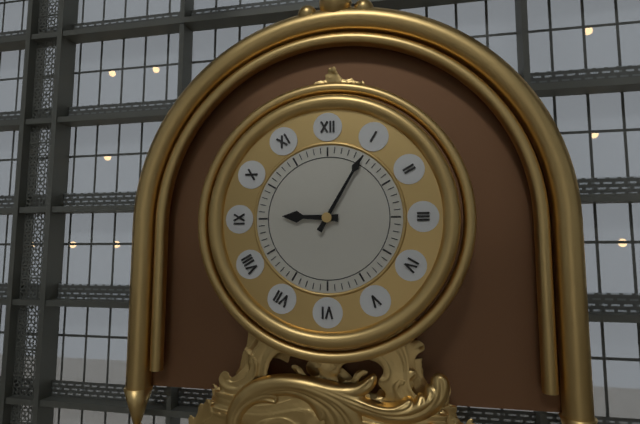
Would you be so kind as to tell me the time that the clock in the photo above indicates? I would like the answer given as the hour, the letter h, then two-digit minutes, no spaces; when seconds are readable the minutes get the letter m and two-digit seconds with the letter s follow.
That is 9h05
